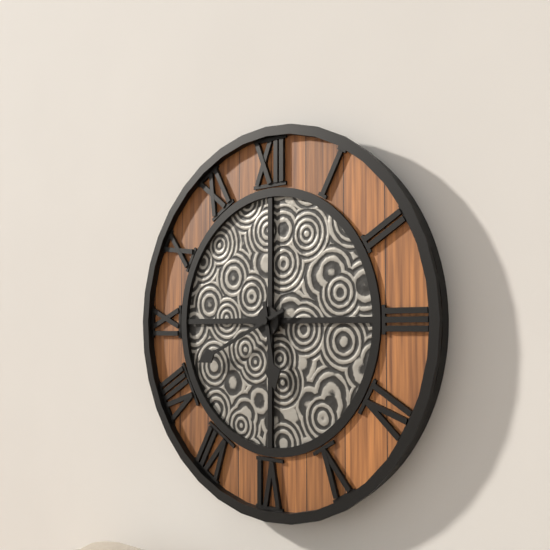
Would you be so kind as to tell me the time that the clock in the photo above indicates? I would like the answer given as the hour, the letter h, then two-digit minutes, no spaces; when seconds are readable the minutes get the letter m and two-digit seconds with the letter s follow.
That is 5h41
